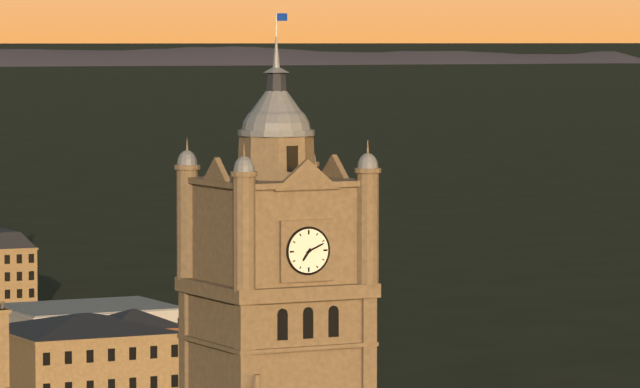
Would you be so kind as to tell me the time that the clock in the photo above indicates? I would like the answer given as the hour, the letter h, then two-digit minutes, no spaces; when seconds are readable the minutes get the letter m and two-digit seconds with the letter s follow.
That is 7h11
